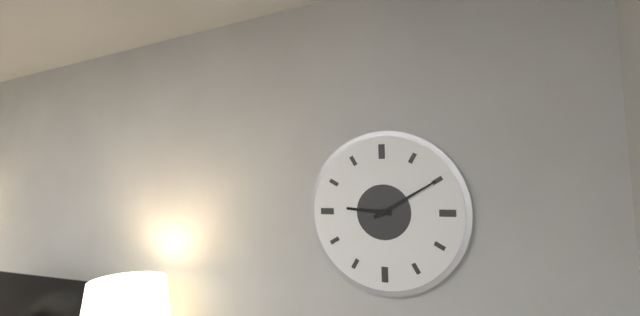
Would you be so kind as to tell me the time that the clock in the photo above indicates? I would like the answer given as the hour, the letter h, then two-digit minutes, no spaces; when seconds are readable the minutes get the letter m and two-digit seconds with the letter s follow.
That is 9h10
